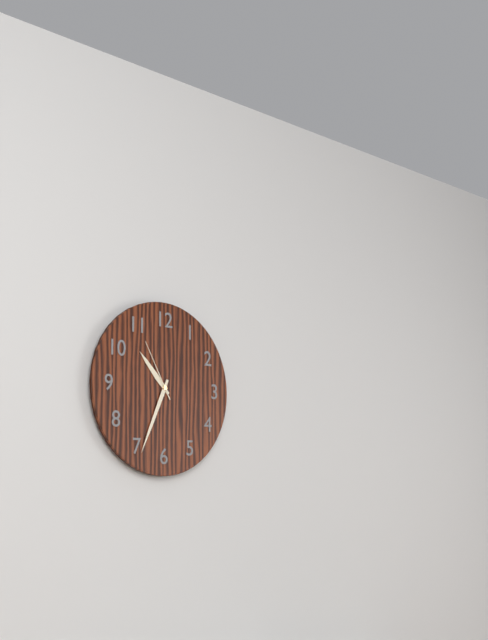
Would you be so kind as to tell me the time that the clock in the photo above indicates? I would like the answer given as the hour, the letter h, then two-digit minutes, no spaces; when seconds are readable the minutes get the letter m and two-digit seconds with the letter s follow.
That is 10h34m55s
